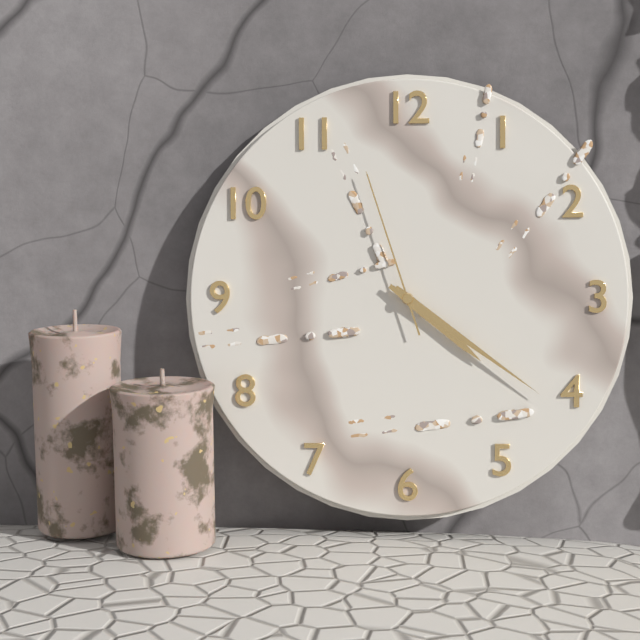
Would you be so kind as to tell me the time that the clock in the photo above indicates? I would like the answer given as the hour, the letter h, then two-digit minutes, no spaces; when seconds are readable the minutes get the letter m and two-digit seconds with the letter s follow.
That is 4h21m57s
